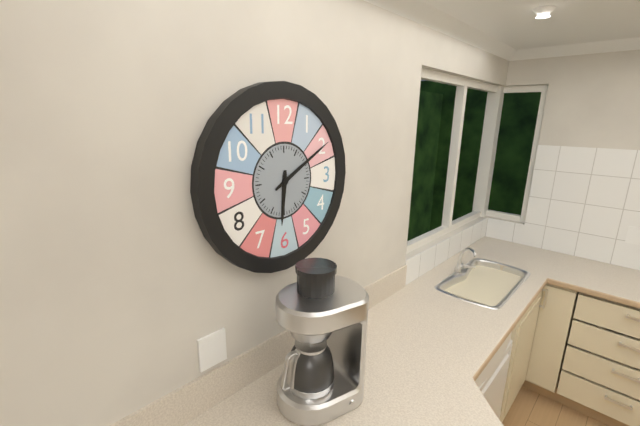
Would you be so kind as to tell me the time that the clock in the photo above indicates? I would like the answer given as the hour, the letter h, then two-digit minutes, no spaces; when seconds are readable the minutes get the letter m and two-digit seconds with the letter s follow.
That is 6h10
